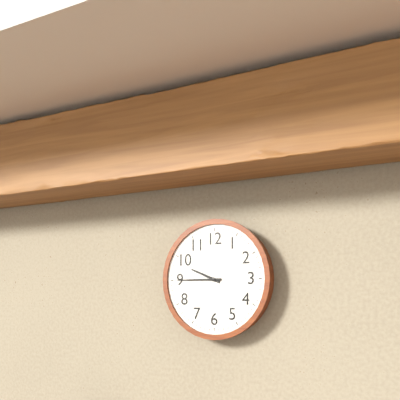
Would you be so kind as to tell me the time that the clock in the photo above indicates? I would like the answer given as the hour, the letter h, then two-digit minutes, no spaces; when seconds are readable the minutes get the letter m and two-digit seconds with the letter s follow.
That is 9h45
